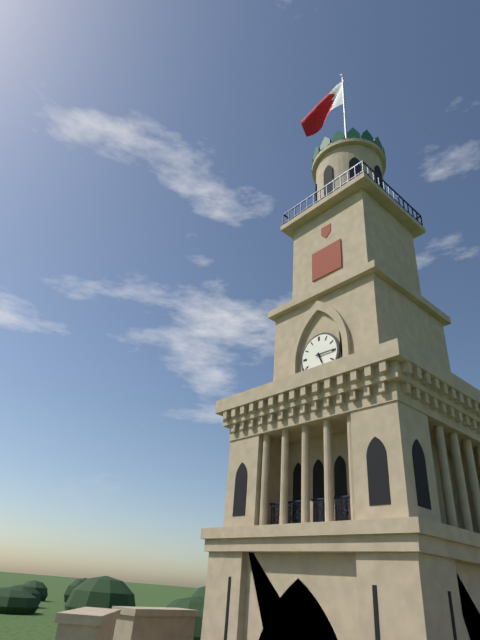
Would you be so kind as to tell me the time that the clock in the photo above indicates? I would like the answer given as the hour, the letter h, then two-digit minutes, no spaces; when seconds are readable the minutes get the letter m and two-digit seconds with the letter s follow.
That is 5h15
